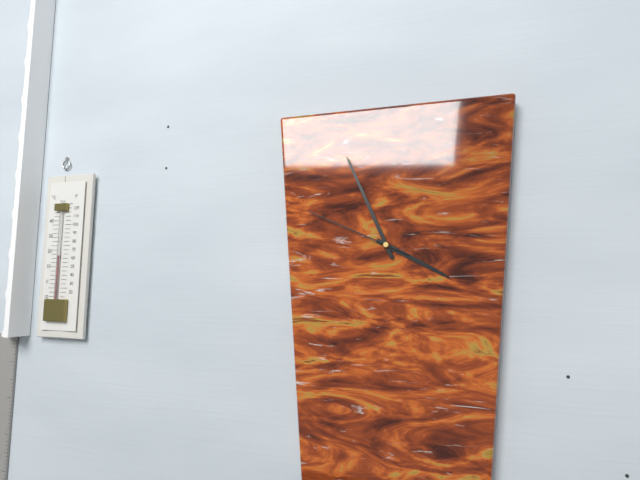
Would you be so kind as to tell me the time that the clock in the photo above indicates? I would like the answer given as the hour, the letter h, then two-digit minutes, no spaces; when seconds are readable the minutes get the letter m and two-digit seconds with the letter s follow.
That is 3h56m49s
